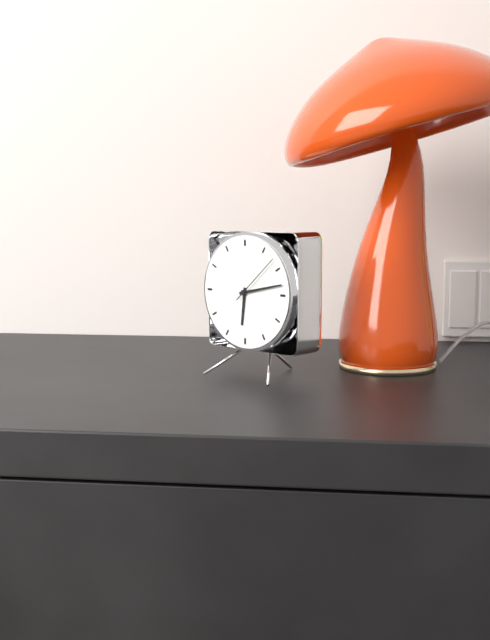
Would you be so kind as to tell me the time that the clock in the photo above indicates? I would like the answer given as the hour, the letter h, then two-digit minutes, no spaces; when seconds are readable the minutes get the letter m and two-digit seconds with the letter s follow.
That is 6h13
